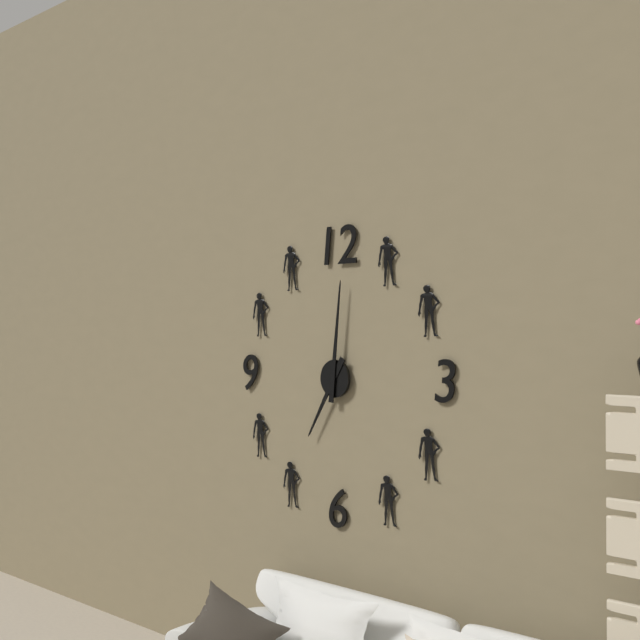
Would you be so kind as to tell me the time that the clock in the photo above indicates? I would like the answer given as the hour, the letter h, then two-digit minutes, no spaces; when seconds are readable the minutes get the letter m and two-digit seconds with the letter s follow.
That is 7h01
